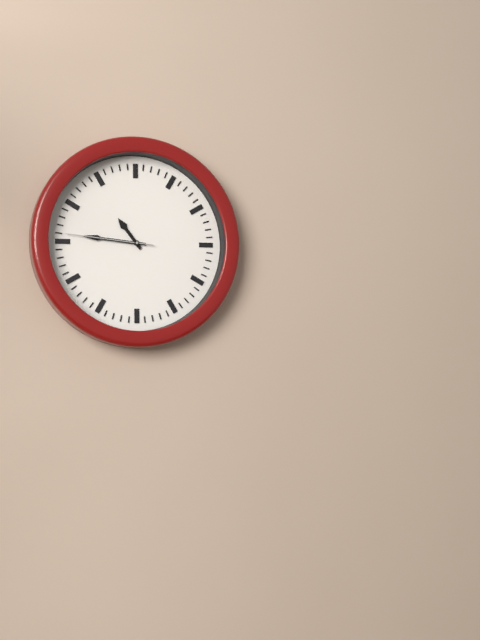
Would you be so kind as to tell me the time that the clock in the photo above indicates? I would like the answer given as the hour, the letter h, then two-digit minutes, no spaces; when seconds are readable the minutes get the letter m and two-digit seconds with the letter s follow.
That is 10h46m46s
